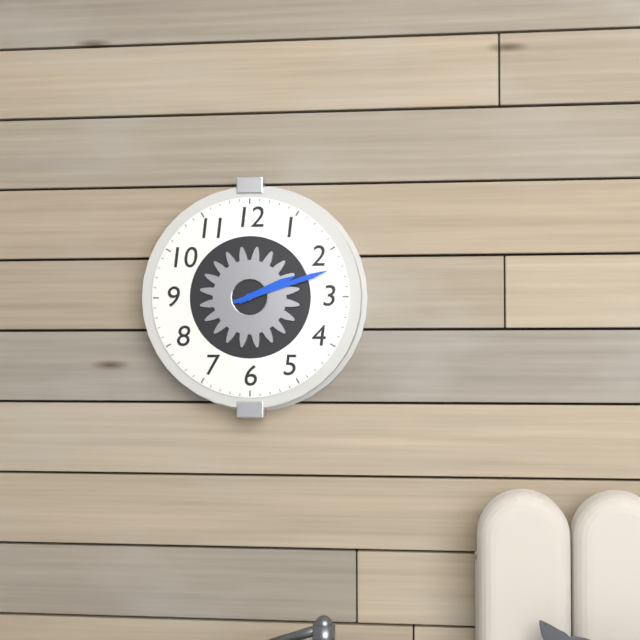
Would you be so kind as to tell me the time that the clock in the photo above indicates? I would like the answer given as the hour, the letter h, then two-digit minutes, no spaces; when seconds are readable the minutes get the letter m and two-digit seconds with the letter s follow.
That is 2h12
